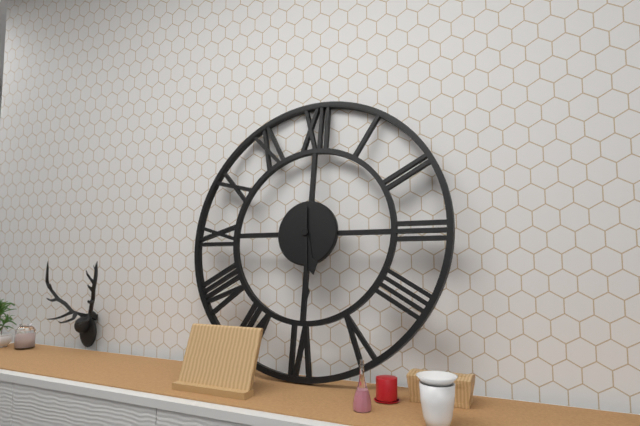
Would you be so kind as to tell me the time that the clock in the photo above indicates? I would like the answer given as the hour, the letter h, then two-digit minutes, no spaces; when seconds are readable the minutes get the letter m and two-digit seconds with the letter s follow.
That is 5h29
